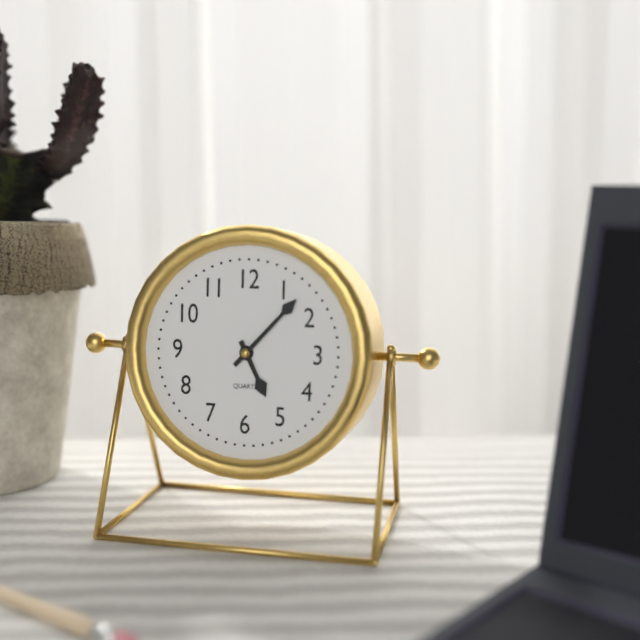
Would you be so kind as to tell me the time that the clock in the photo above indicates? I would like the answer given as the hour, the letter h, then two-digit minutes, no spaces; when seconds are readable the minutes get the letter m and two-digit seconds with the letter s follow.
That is 5h07
